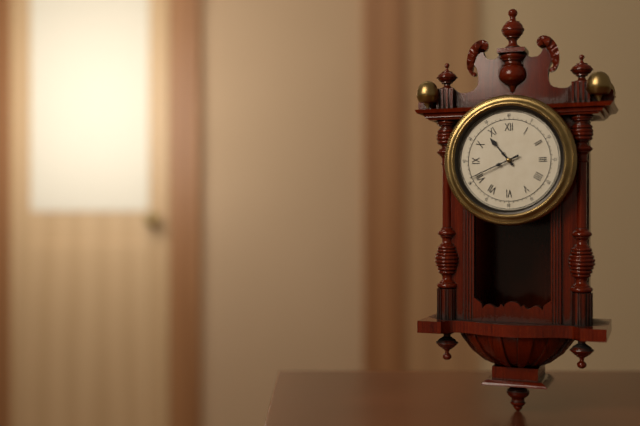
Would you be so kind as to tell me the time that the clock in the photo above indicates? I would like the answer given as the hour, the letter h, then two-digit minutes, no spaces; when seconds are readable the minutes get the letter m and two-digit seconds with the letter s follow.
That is 10h41
